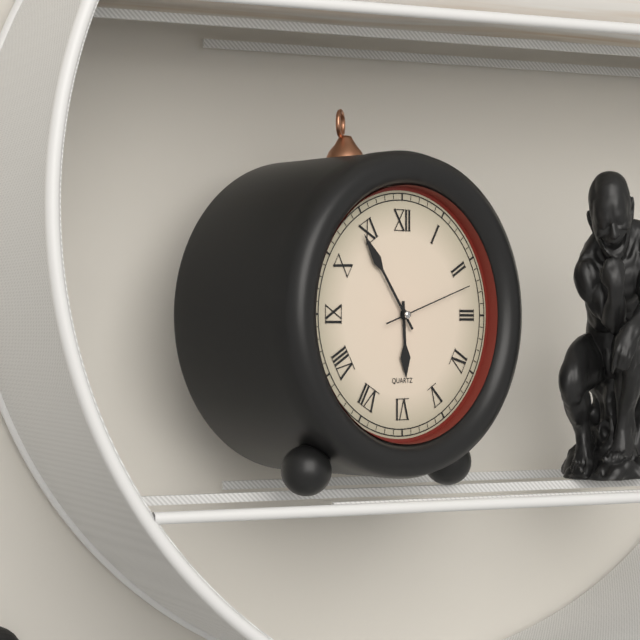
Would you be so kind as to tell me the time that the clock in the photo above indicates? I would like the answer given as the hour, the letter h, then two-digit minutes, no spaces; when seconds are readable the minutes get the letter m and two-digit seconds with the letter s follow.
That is 5h54m12s
